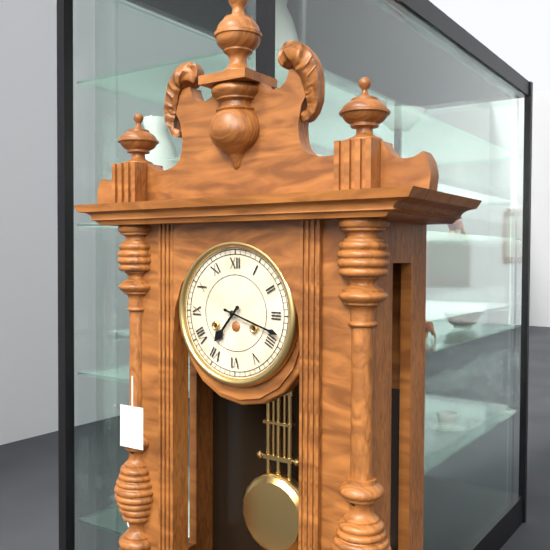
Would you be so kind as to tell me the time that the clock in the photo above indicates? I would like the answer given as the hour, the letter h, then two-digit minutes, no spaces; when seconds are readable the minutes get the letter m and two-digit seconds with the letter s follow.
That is 7h18
